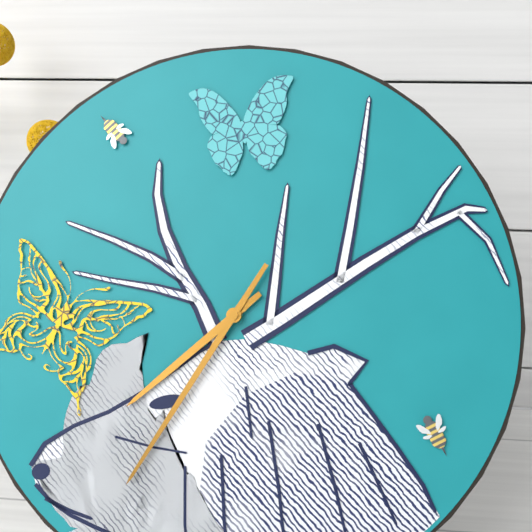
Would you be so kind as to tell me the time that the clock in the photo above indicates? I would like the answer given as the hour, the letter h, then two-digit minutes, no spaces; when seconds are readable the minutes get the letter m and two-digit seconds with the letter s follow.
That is 7h35
